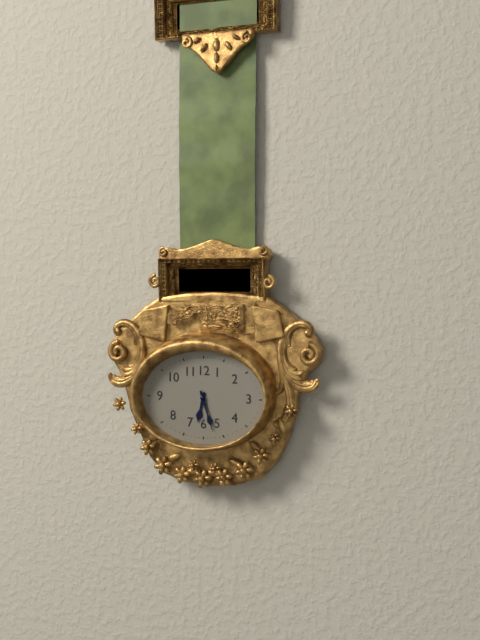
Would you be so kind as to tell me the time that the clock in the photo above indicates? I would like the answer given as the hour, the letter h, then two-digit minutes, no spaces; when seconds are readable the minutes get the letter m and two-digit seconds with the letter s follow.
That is 6h27
